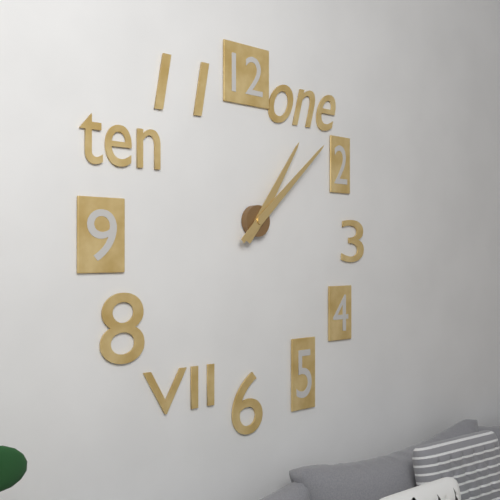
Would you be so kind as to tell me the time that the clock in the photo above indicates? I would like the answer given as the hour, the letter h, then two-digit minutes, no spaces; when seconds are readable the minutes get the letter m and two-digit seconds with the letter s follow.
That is 1h08
